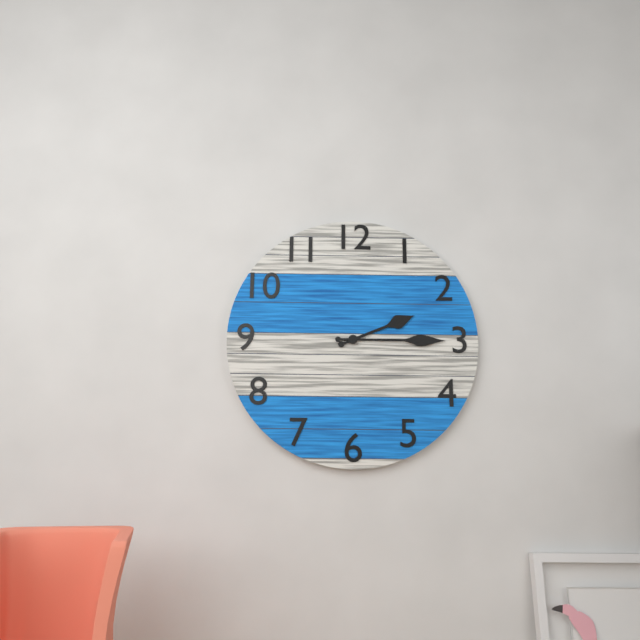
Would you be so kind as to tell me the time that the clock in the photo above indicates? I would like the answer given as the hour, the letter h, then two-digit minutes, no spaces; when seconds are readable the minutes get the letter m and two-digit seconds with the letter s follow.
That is 2h15
